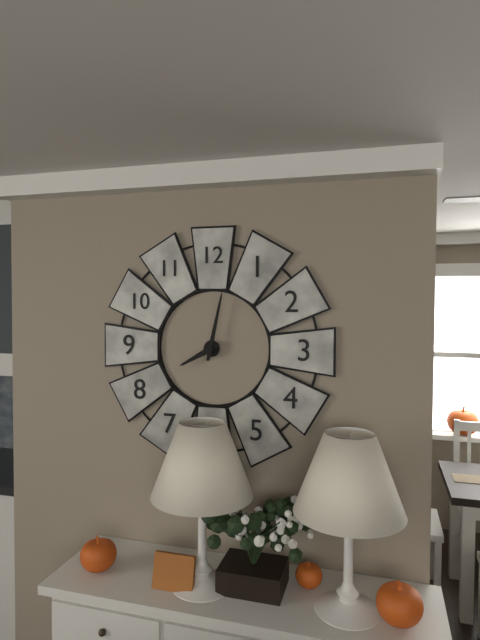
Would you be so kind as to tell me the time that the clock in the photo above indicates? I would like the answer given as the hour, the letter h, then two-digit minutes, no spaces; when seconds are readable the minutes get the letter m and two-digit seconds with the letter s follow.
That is 8h02
